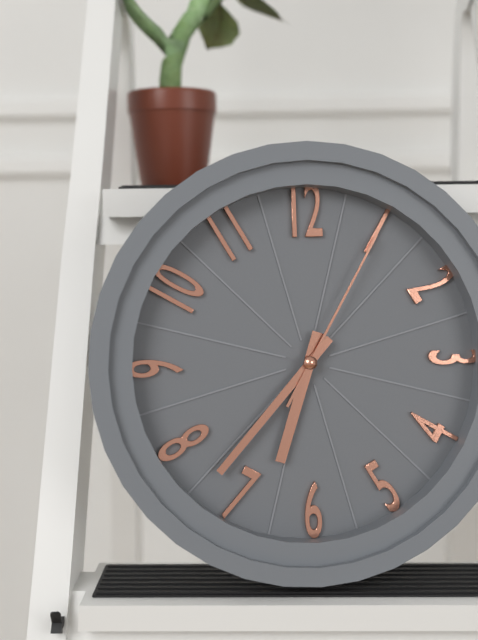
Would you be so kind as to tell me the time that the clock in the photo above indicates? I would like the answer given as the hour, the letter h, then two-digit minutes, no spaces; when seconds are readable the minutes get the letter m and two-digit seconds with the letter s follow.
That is 6h37m05s
